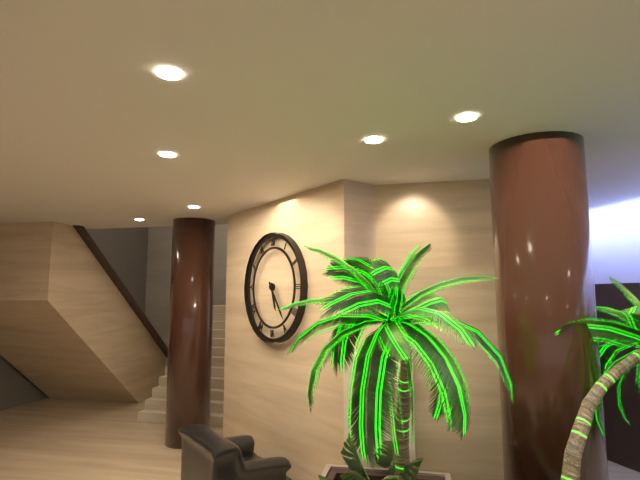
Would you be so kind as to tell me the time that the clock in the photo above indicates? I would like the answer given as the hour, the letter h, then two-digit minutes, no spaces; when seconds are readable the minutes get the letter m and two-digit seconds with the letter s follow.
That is 5h24
